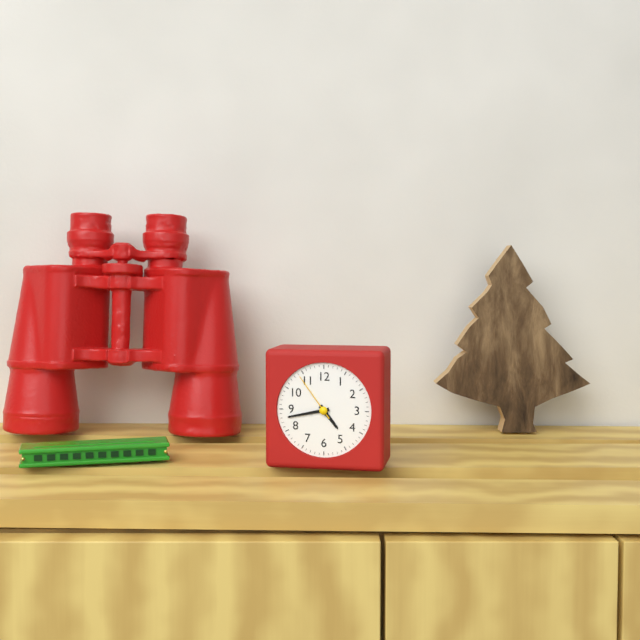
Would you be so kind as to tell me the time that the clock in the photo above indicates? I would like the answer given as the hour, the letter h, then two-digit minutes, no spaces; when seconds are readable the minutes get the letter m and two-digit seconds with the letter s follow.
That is 4h43m54s
